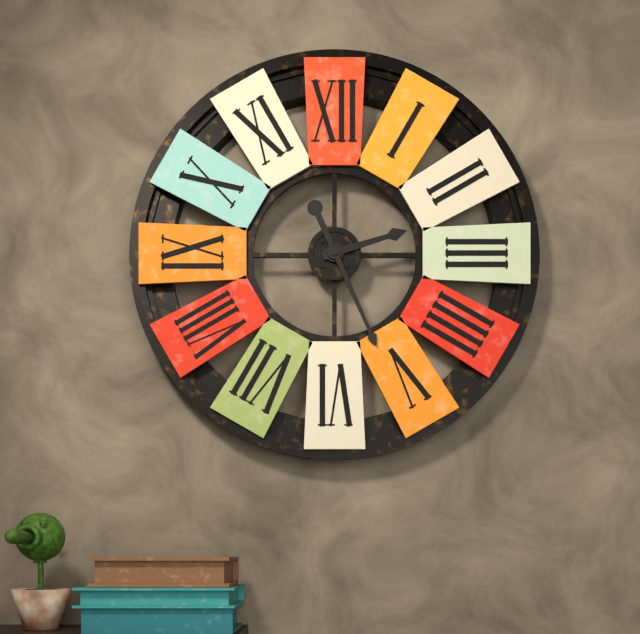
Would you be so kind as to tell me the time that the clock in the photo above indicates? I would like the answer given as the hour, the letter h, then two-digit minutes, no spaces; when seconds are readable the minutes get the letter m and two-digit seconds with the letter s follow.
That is 2h26
